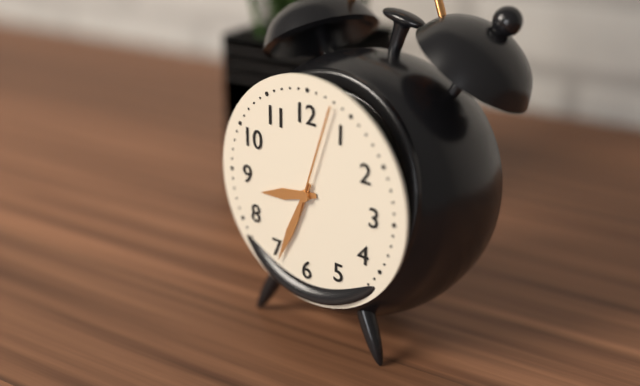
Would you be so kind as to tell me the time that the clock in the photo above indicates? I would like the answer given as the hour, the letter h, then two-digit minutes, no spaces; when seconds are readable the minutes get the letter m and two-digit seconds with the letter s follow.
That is 8h34m03s
